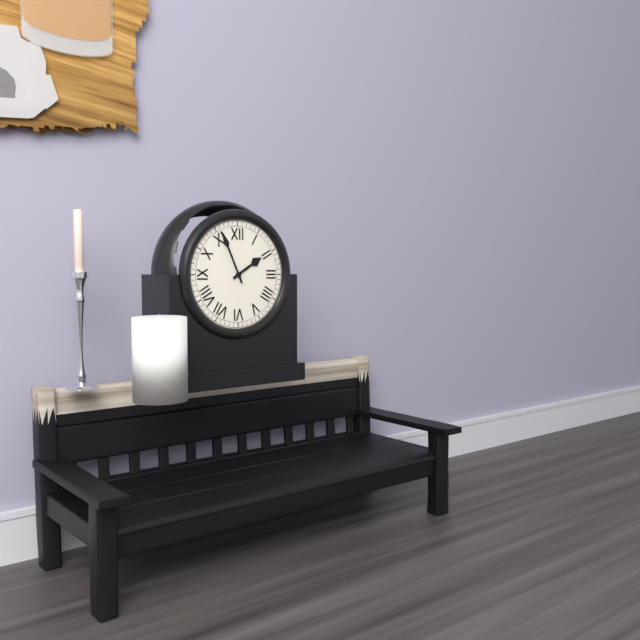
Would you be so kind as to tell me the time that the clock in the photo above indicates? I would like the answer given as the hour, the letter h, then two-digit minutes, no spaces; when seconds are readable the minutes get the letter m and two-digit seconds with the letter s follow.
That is 1h56
